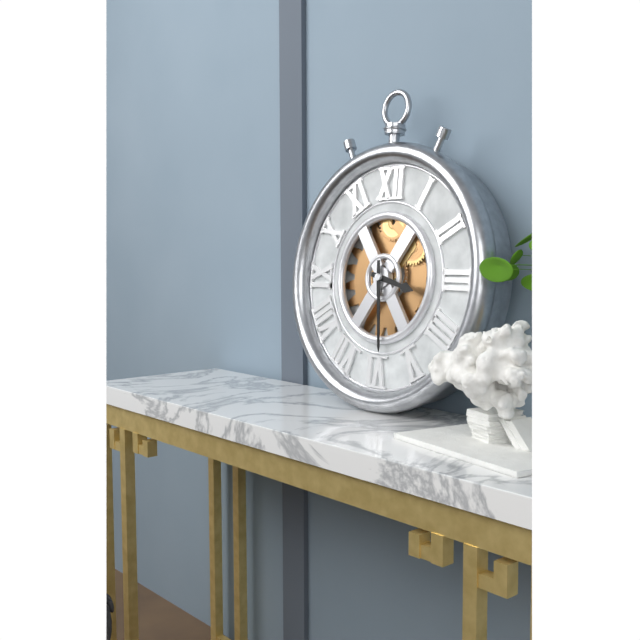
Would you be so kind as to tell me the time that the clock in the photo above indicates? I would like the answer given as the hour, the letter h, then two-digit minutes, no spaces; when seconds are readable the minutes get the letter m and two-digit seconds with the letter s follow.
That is 3h29
